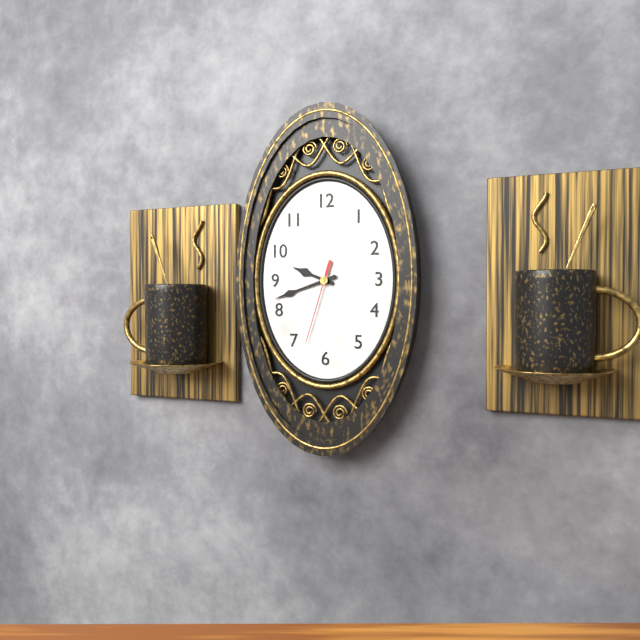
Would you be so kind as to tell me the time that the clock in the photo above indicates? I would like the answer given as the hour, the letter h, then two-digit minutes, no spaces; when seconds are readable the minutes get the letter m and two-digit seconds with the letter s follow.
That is 9h42m33s
